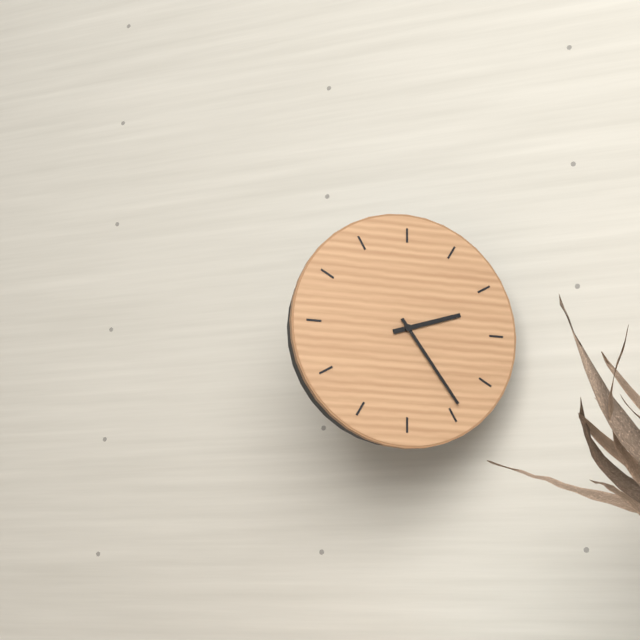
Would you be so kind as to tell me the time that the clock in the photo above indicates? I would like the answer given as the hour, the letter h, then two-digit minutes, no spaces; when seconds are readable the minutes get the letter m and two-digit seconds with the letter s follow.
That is 2h24
